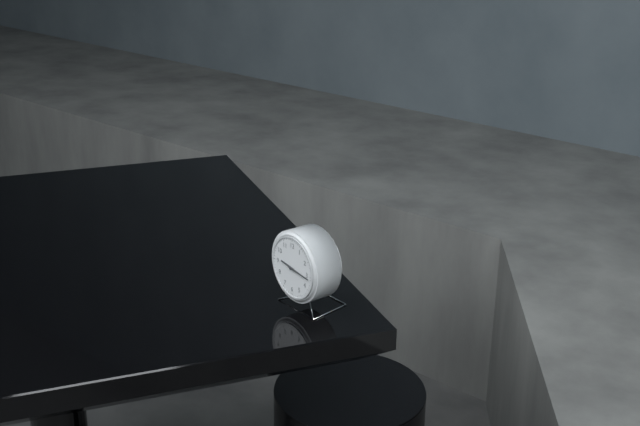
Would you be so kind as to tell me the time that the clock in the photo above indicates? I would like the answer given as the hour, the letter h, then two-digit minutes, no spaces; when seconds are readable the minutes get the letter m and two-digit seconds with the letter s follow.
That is 9h16
